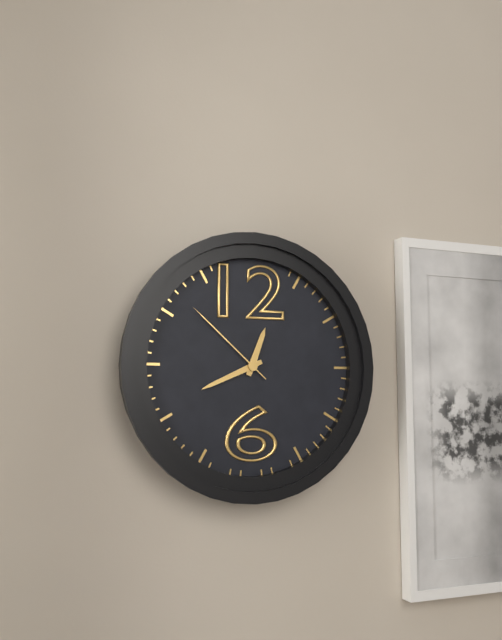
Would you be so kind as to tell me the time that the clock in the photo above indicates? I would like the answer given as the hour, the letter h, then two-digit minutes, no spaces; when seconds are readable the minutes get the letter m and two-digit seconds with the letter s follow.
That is 12h41m52s
